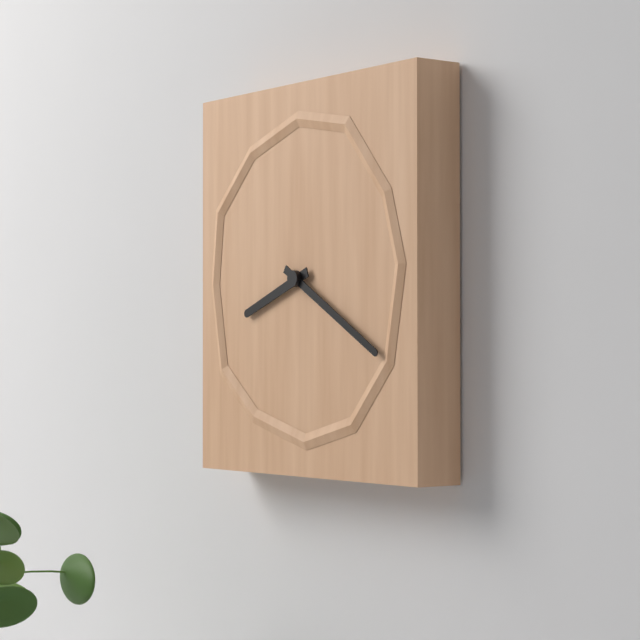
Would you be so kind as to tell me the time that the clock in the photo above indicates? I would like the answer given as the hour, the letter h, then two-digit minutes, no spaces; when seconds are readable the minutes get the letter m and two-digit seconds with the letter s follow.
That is 8h20
